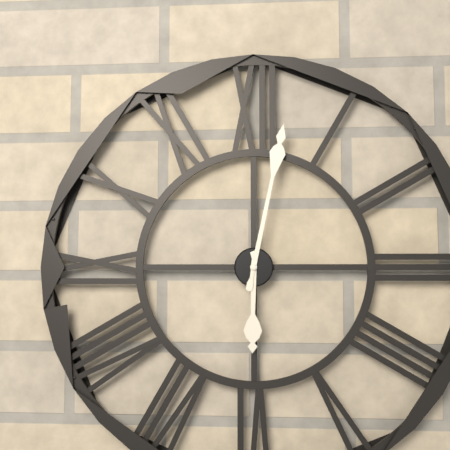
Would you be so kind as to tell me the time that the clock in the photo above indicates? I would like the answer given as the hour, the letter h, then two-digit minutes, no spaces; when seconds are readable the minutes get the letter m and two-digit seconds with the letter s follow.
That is 6h02
